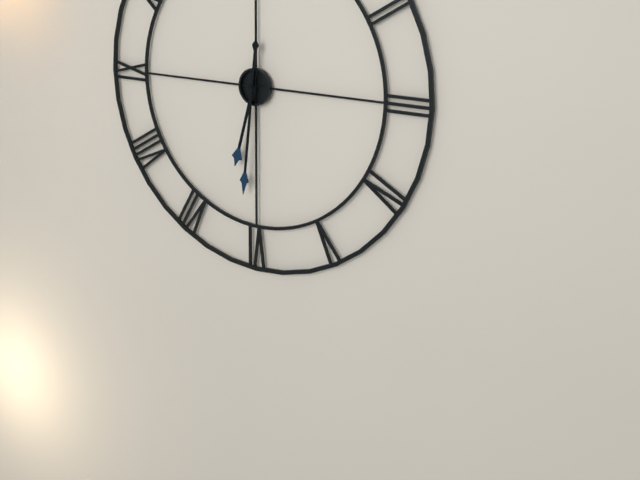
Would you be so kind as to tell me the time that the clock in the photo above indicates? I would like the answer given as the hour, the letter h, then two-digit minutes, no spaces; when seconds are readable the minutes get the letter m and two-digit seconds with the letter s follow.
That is 6h31
